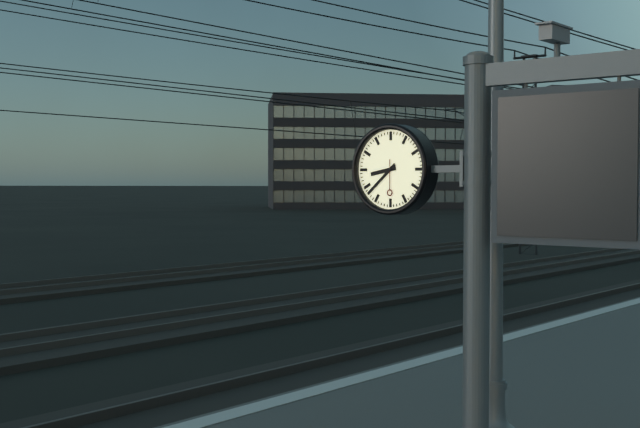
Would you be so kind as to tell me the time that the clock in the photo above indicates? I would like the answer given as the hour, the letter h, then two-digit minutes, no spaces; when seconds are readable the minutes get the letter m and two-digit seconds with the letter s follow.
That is 8h38
